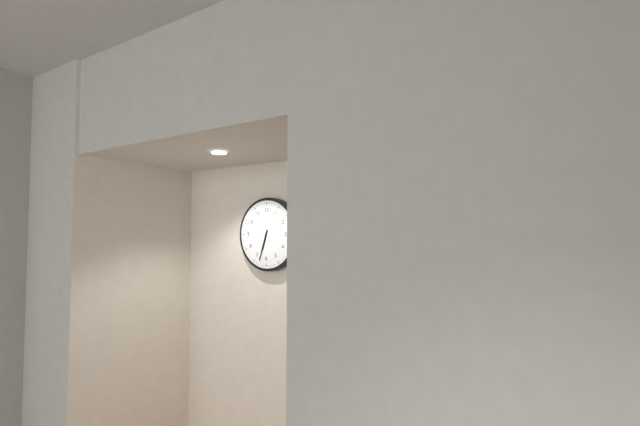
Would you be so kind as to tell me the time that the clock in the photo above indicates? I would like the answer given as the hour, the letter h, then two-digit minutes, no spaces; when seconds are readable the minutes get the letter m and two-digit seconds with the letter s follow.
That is 6h33
